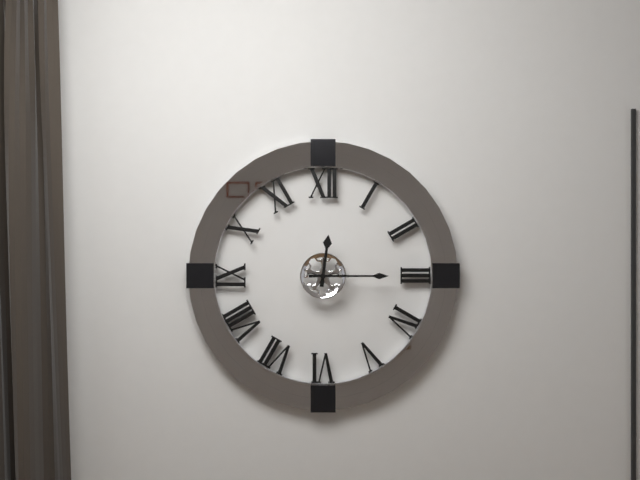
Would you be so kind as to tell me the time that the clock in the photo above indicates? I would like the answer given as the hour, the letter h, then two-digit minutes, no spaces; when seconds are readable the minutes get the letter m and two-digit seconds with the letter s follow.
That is 12h15
